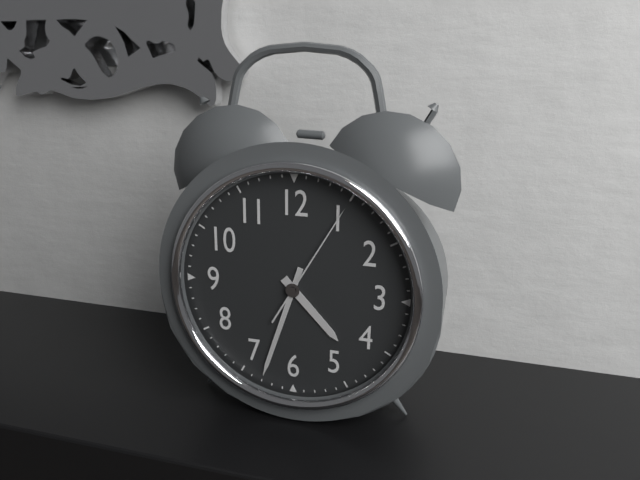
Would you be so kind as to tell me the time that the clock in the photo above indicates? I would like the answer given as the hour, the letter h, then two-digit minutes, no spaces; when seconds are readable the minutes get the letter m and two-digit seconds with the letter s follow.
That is 4h33m05s
